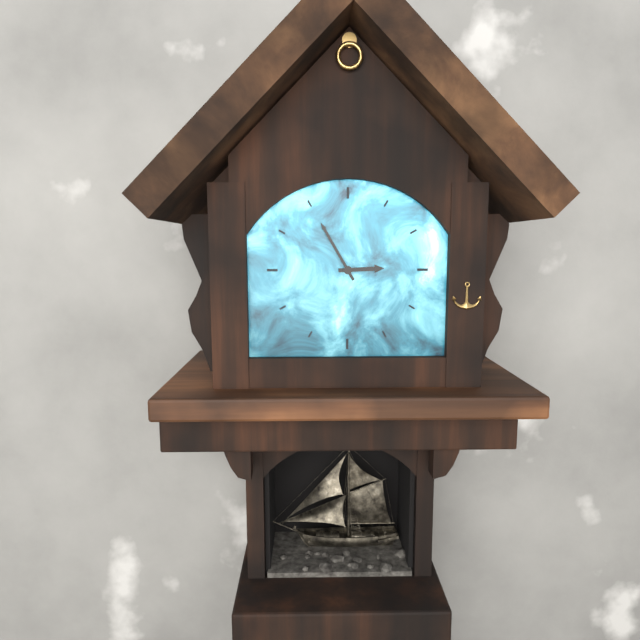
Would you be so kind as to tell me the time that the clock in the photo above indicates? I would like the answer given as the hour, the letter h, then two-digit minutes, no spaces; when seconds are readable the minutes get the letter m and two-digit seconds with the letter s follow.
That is 2h55
